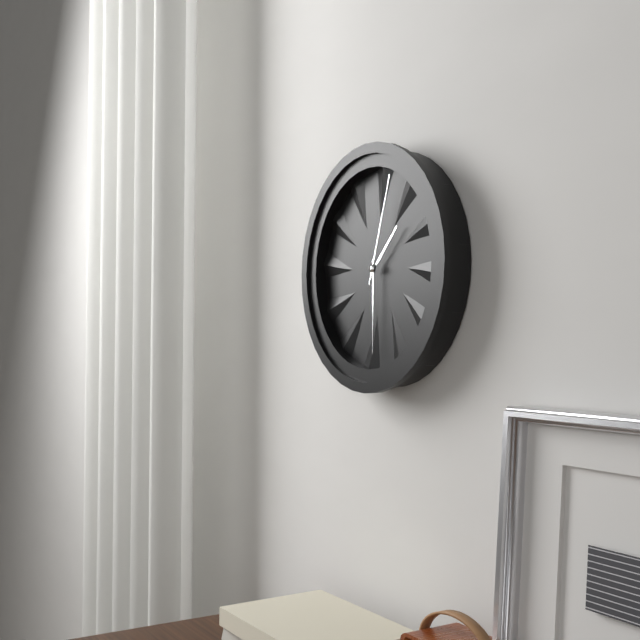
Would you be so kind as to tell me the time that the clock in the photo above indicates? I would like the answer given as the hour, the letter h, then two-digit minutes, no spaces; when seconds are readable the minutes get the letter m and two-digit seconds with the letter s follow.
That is 1h30m03s
